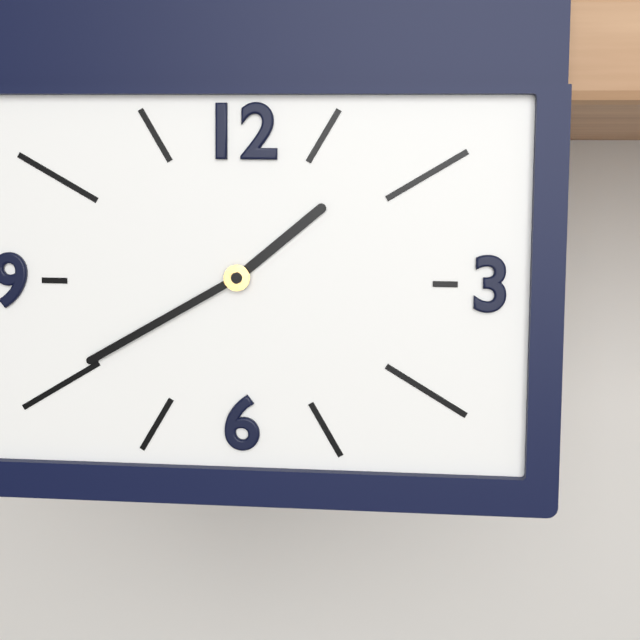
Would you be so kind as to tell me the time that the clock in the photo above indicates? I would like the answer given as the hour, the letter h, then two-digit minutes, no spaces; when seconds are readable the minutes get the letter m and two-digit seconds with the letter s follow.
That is 1h40
